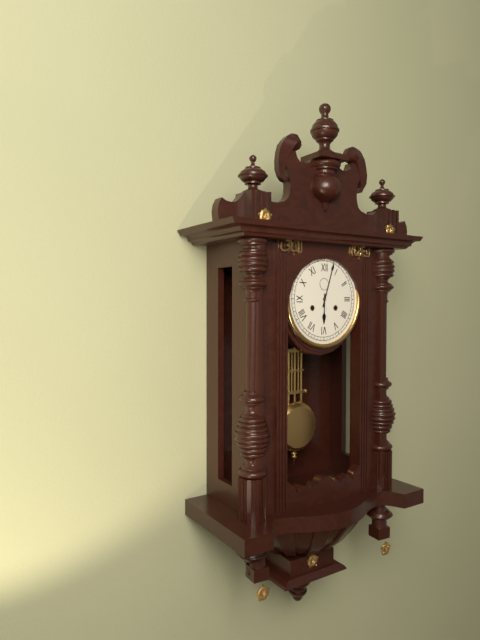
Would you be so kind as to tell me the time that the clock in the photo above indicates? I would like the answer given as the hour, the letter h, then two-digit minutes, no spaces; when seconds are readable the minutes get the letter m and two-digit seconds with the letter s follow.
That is 6h03
